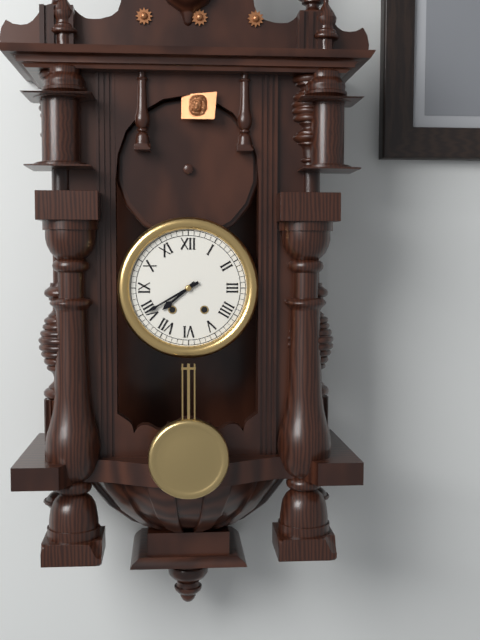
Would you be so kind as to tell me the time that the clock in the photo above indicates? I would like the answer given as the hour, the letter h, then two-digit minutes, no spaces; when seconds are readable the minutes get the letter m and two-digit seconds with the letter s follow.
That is 7h40
